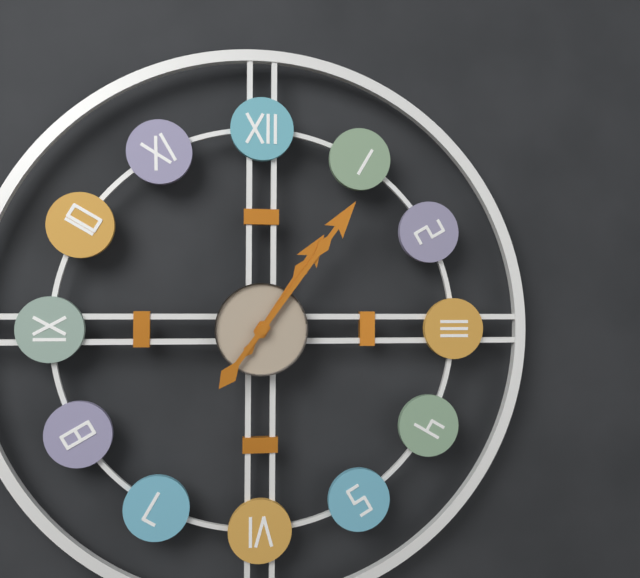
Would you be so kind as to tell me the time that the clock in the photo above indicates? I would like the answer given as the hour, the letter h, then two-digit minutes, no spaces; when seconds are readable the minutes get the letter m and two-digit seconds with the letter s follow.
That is 1h06
